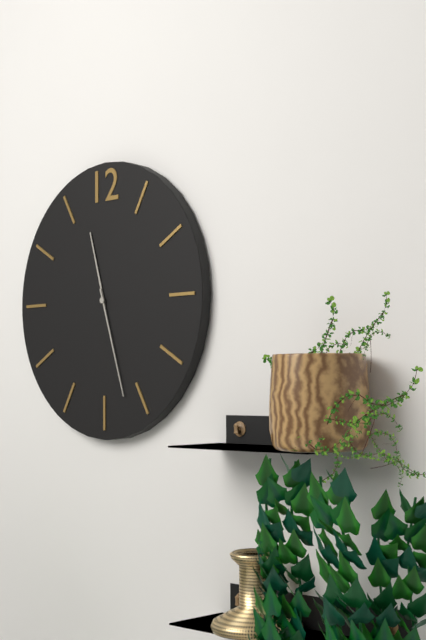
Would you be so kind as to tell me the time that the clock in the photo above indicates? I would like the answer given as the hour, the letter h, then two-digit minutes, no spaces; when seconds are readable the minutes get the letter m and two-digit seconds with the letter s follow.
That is 11h27
